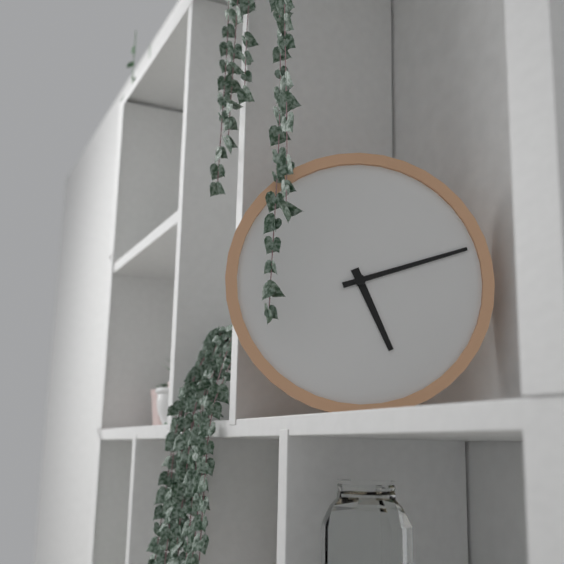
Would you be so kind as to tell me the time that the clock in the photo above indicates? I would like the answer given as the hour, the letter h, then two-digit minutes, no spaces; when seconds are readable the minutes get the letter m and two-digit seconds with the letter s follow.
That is 5h12
